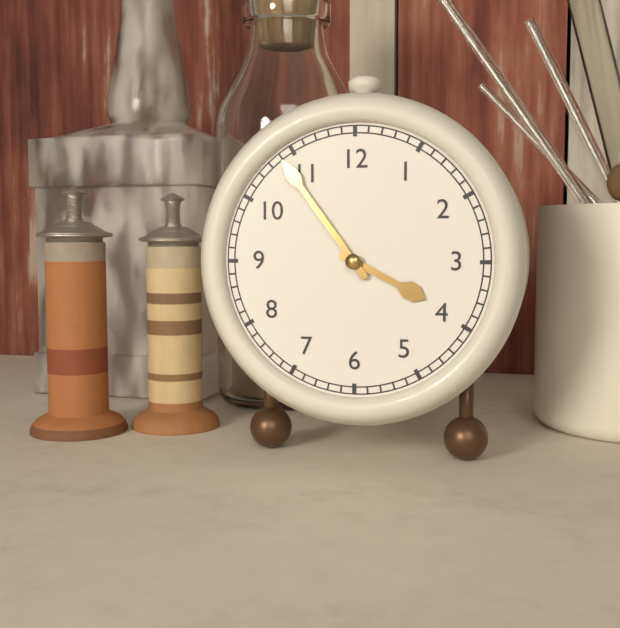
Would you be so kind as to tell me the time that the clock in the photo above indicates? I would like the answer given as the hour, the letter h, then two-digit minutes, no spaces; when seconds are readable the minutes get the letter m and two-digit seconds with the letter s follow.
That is 3h54
